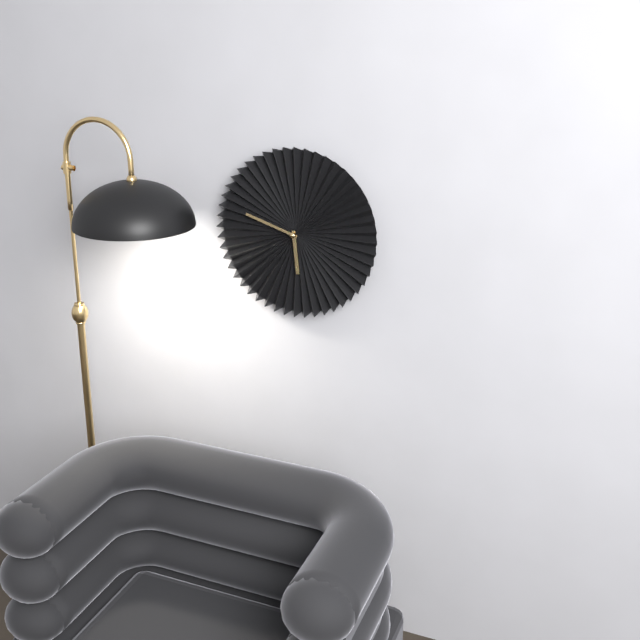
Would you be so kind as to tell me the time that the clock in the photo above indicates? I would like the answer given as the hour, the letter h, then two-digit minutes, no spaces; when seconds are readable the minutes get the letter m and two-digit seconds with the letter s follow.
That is 5h48
